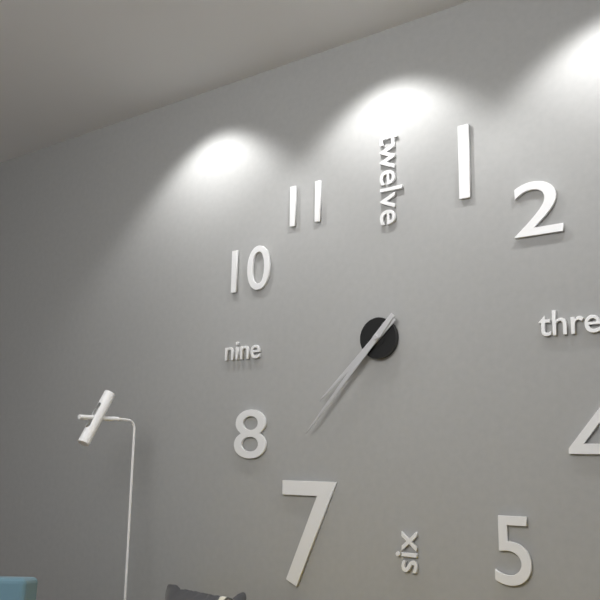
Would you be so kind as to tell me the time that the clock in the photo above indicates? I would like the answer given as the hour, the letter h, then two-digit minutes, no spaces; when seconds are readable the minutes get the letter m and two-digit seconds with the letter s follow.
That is 7h37
